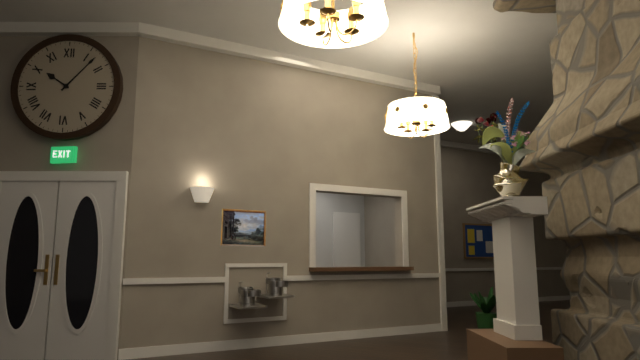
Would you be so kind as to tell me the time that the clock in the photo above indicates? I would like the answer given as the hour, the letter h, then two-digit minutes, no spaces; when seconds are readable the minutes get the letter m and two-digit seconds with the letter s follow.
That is 10h07
